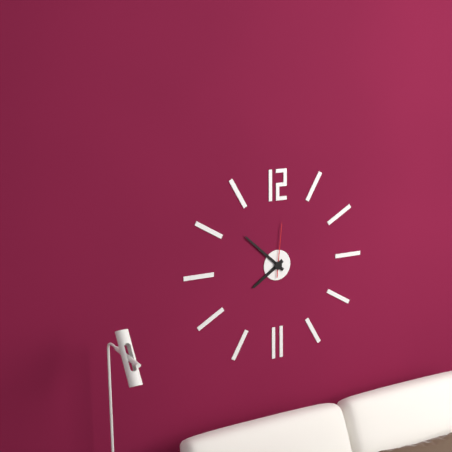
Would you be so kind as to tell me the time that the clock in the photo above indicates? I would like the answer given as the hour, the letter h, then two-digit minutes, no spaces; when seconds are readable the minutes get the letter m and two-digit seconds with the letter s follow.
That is 7h52m01s
